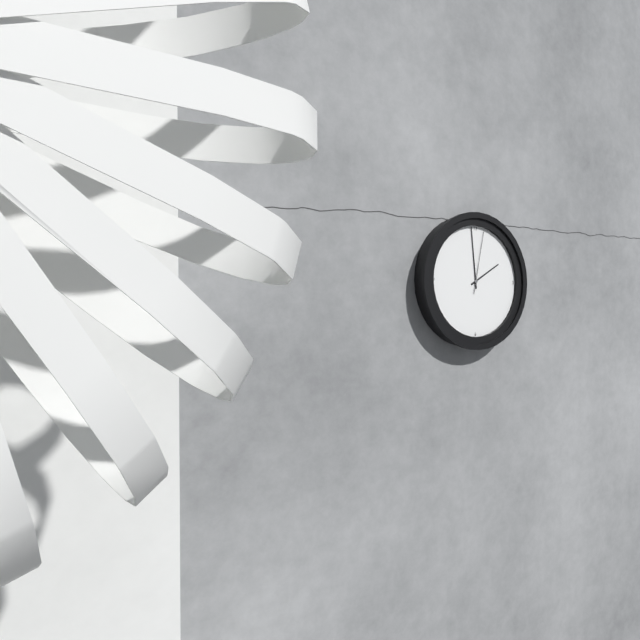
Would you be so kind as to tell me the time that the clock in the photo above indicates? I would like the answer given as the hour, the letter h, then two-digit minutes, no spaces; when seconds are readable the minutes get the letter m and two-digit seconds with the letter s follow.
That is 1h59m02s
